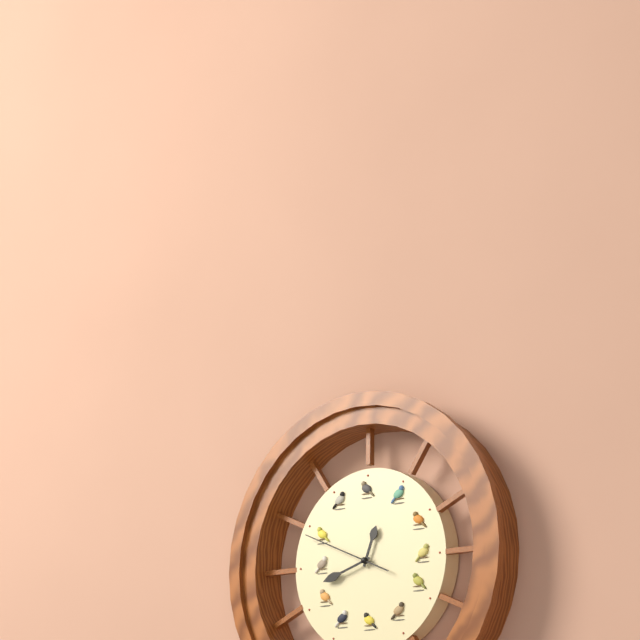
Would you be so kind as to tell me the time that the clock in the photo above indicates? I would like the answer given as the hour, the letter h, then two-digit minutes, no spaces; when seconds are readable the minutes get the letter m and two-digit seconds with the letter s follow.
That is 12h42m49s
